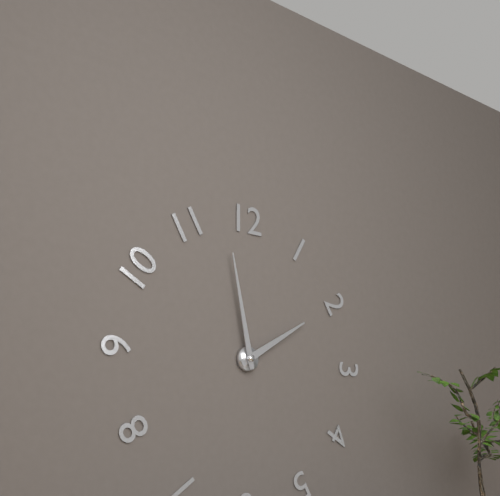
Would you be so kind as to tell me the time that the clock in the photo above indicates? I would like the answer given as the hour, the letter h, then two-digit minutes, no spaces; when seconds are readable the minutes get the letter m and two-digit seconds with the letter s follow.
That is 1h58
